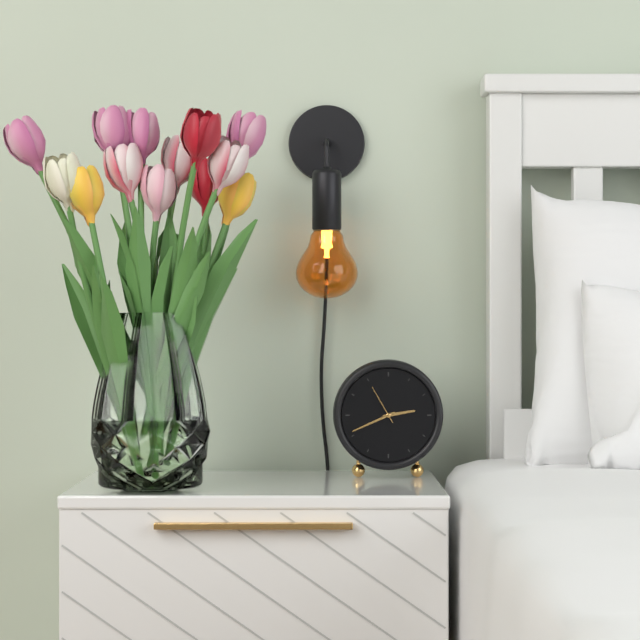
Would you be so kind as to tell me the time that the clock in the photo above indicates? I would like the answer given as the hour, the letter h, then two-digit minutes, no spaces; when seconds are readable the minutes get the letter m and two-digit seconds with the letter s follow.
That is 2h41
